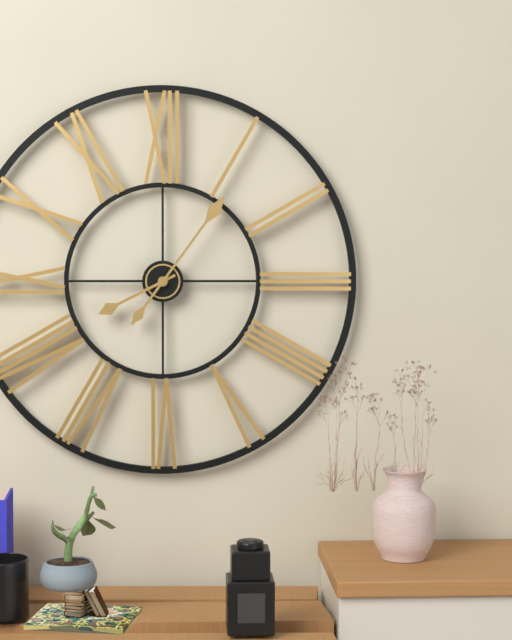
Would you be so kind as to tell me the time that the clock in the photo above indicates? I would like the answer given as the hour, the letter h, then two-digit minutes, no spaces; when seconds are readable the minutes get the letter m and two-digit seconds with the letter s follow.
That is 8h06
